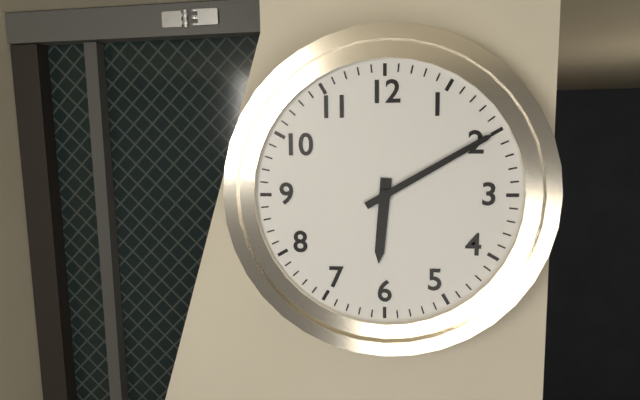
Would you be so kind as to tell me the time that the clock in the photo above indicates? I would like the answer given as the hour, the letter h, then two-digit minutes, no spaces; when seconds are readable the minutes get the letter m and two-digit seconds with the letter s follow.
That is 6h10
